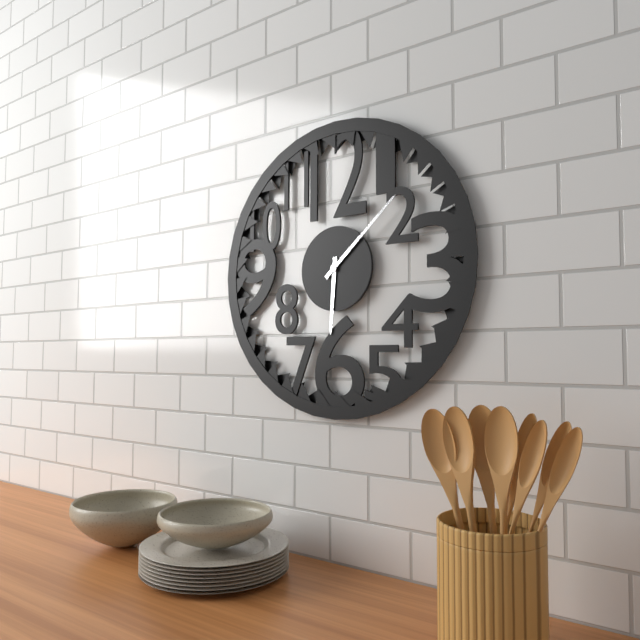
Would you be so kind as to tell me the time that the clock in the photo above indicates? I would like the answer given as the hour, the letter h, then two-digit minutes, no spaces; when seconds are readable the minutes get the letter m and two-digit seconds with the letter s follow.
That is 6h08
